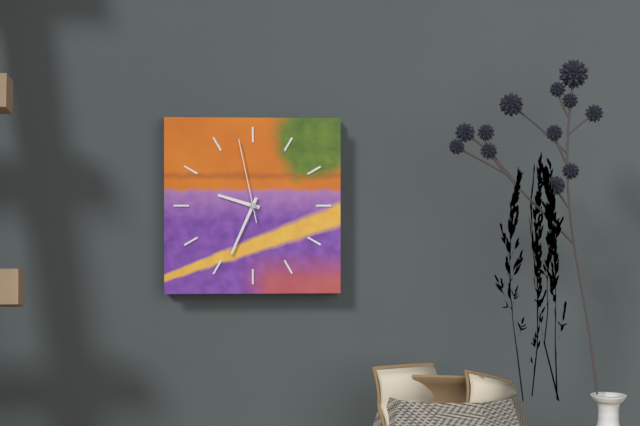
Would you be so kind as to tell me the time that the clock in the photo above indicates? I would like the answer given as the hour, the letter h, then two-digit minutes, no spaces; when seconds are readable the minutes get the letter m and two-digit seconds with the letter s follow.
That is 9h34m58s
